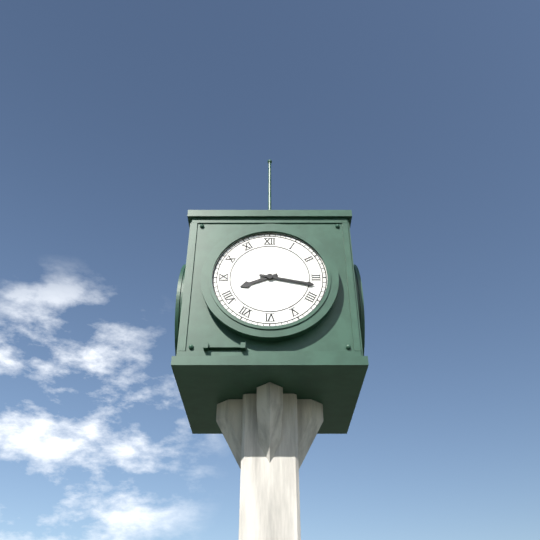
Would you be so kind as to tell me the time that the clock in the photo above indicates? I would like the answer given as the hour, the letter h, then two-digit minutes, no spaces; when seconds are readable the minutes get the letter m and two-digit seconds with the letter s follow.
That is 8h17
